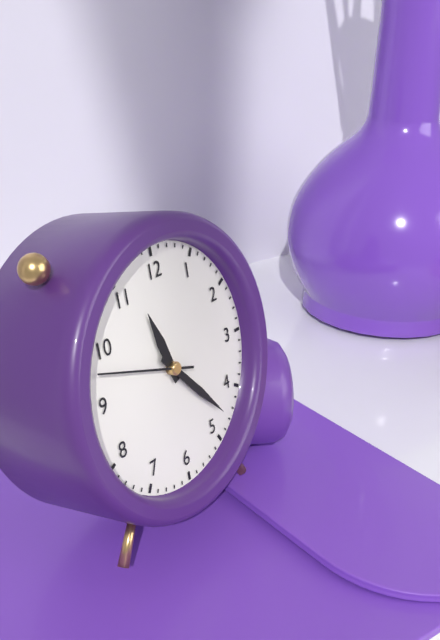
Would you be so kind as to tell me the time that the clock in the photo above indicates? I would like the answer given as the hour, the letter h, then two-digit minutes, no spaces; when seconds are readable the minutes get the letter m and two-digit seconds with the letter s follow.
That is 11h23m48s
